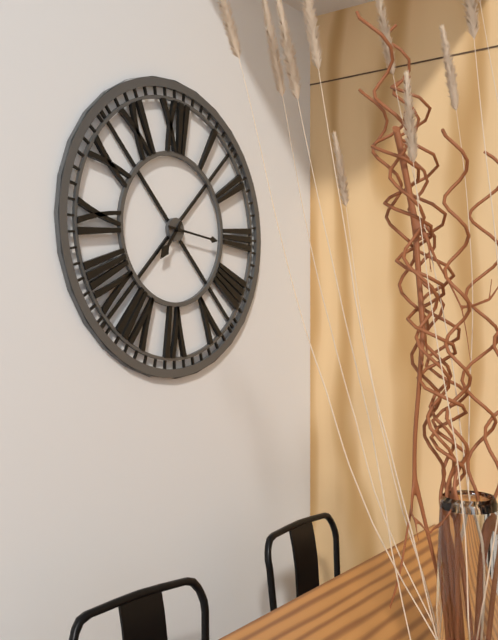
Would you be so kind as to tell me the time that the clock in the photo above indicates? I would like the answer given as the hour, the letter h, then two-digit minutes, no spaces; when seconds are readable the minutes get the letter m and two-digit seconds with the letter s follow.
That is 7h16
